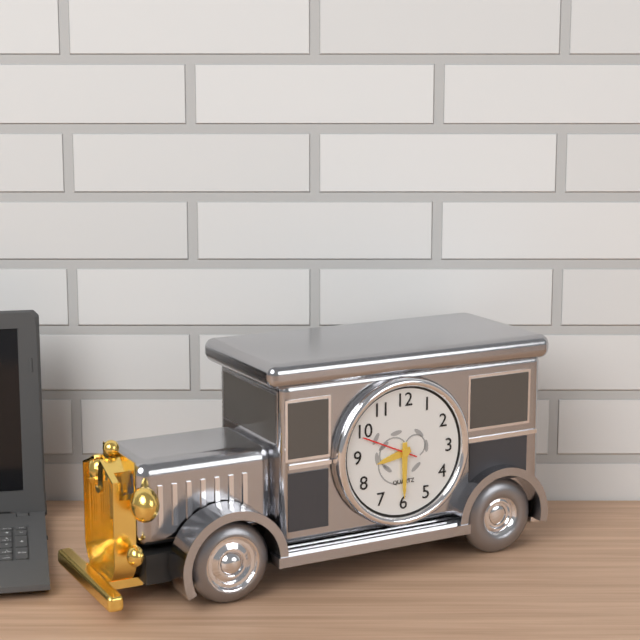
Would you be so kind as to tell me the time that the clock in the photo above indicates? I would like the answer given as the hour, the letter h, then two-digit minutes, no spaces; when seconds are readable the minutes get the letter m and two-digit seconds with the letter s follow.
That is 8h30
